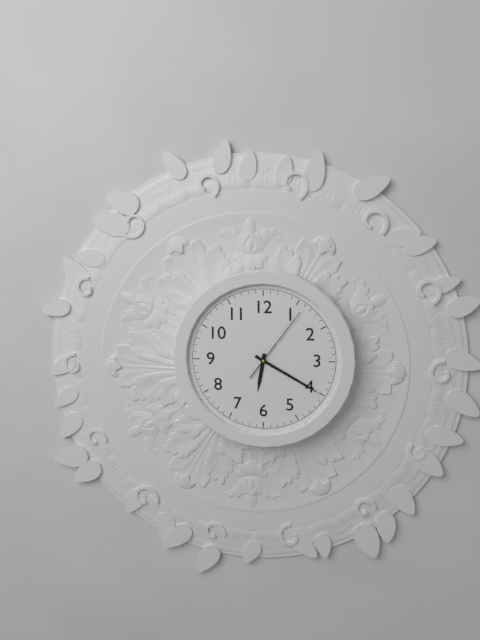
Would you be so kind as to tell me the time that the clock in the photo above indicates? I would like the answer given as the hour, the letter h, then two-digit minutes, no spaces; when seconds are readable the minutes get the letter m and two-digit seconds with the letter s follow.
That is 6h20m06s
